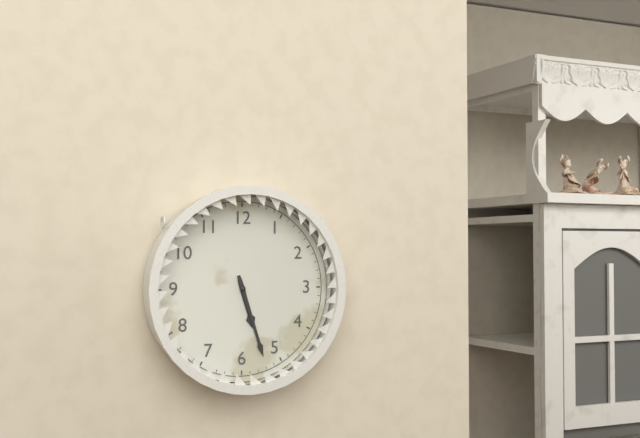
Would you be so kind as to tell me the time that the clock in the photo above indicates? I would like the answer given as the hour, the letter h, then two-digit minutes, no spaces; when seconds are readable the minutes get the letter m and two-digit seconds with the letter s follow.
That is 5h27
